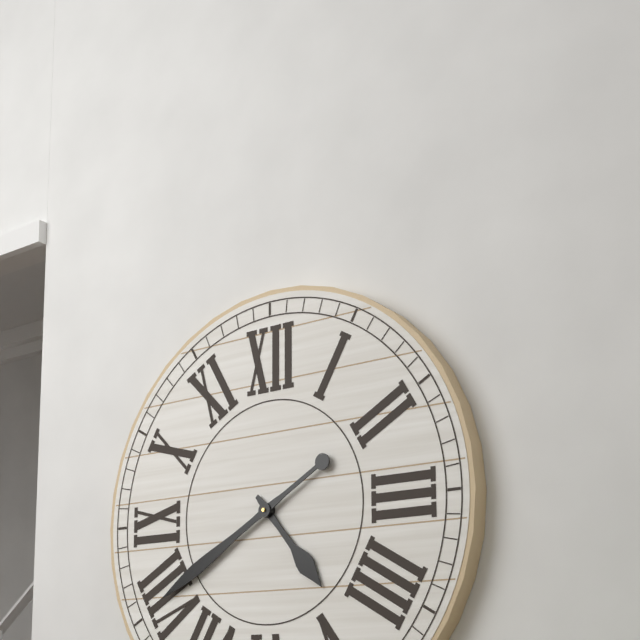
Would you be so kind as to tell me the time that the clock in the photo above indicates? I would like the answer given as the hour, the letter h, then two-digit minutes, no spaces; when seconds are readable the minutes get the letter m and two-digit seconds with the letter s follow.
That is 4h40
